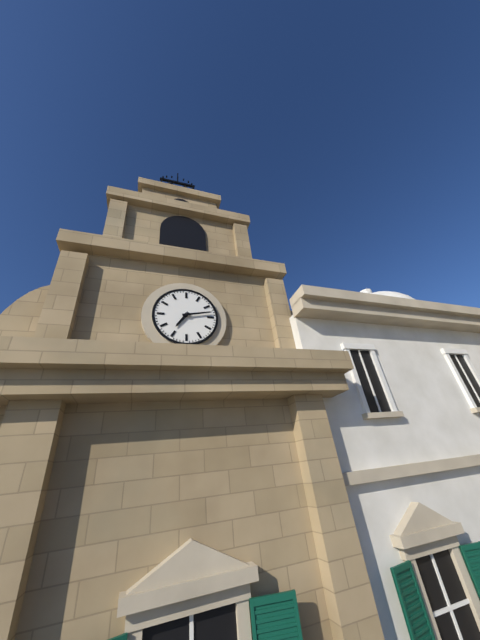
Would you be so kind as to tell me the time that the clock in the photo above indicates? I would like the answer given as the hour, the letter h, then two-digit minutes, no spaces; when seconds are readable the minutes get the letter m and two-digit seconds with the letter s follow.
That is 7h13
